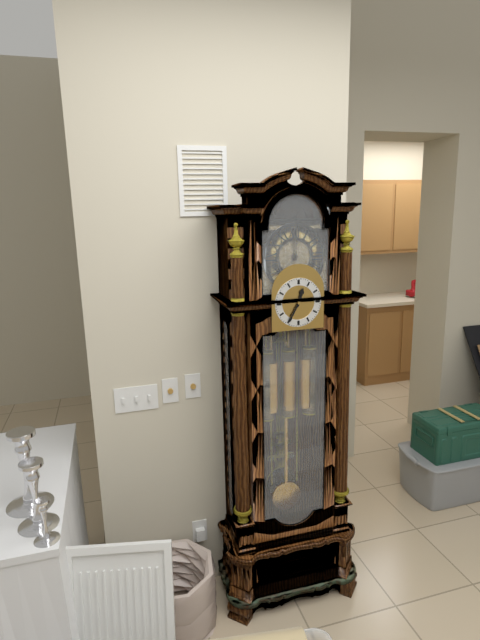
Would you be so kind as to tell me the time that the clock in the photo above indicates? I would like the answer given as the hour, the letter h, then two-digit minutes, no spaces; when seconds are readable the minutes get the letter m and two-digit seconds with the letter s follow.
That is 12h35
